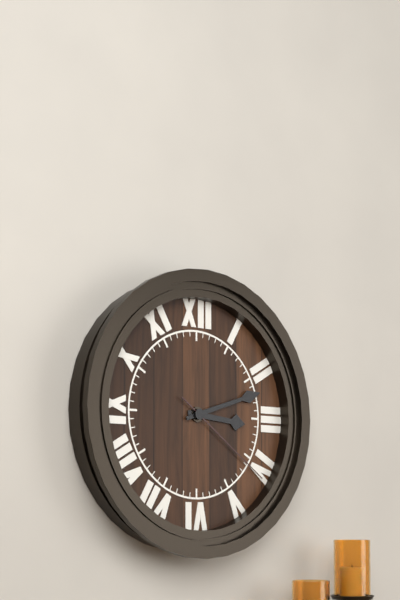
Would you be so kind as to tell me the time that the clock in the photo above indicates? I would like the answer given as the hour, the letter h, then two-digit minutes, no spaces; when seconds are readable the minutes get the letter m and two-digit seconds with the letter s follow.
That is 3h12m21s
